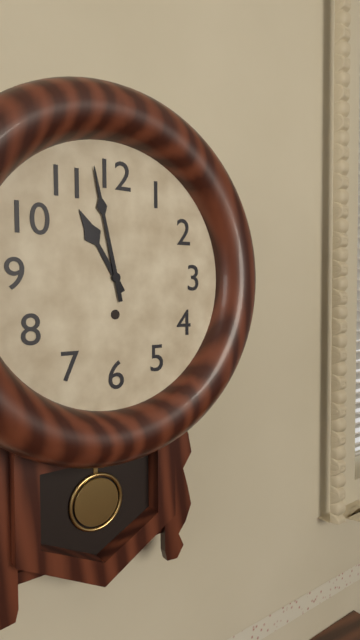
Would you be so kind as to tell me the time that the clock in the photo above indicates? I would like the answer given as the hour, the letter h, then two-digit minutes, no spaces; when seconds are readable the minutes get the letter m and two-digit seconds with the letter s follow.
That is 10h58
